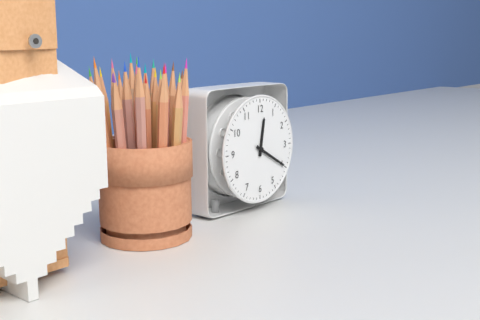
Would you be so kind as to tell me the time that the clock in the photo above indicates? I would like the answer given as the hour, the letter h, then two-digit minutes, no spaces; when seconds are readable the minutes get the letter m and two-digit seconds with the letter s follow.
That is 12h20
